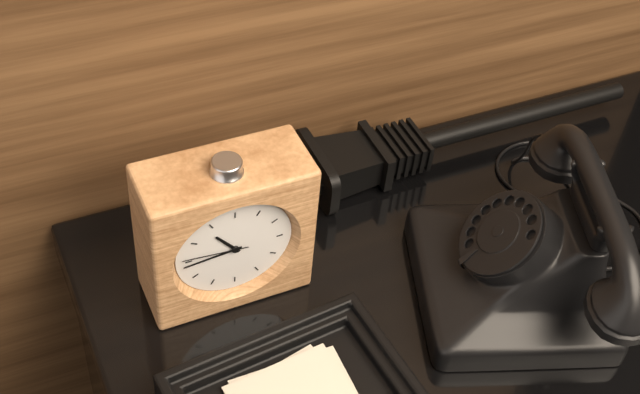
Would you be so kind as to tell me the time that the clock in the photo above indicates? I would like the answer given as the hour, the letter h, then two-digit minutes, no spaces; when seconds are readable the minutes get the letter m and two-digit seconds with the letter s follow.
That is 10h44m46s
